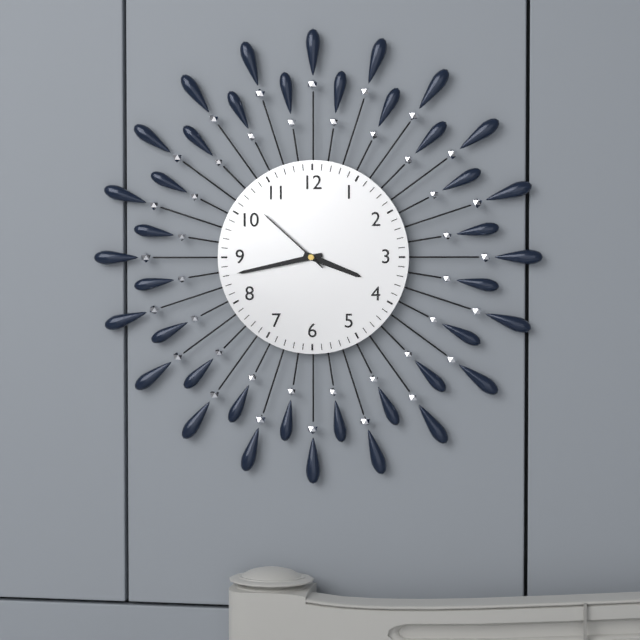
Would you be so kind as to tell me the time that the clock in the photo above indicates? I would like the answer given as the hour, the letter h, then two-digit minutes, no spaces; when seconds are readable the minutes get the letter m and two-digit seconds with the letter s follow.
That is 3h43m52s
